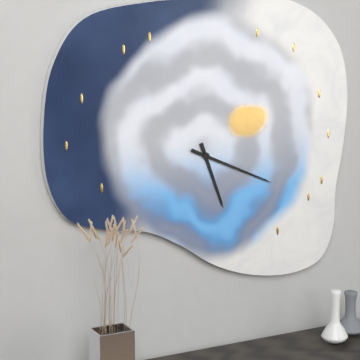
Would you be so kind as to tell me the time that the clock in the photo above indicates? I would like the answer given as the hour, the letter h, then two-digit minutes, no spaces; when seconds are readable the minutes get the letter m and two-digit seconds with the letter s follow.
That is 5h19
